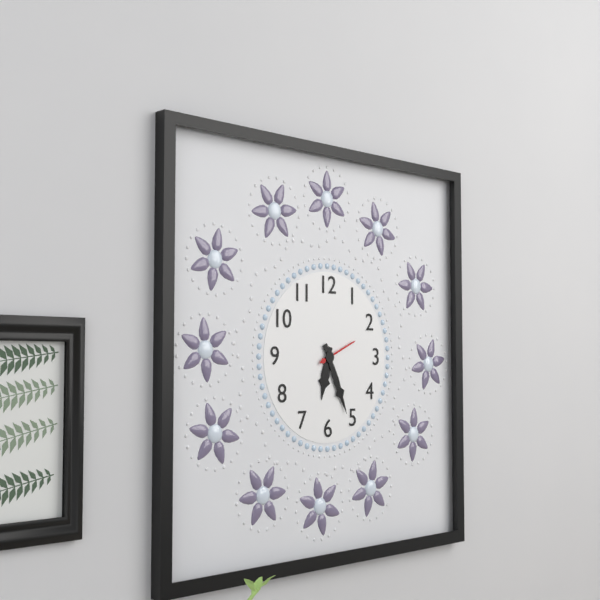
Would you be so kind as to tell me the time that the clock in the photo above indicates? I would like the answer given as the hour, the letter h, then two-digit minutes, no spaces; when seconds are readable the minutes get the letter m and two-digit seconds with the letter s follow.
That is 6h26
